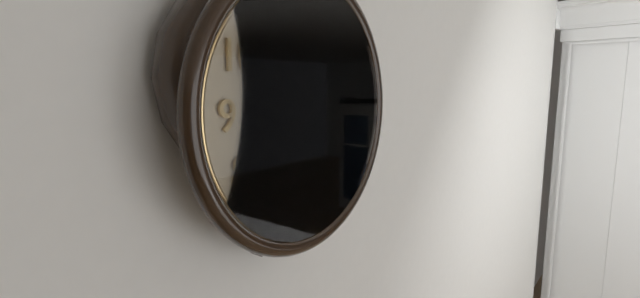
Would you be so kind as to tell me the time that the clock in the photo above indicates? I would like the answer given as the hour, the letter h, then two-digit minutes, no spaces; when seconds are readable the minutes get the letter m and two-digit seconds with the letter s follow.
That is 11h26
